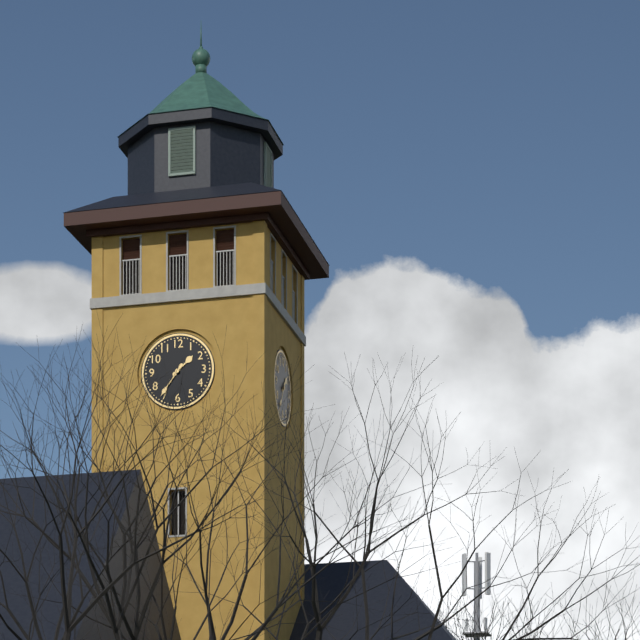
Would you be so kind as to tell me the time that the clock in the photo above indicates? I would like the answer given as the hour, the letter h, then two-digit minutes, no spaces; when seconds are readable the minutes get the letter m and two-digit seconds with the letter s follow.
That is 1h36
